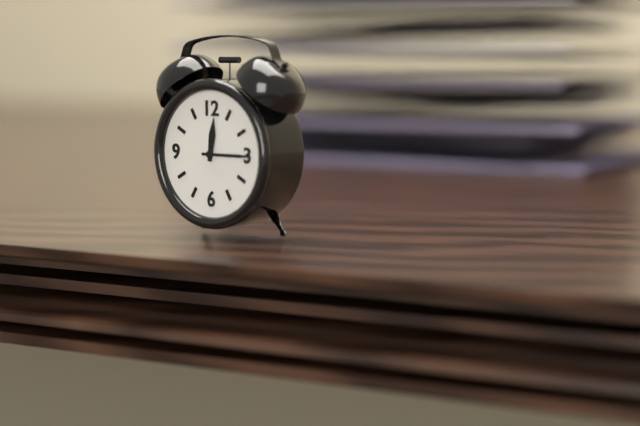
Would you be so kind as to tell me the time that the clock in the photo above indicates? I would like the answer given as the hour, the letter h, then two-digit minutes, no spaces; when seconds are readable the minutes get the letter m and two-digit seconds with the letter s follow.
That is 12h15
